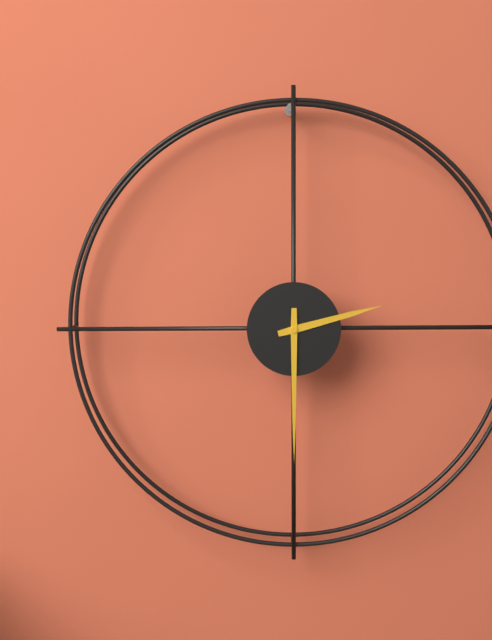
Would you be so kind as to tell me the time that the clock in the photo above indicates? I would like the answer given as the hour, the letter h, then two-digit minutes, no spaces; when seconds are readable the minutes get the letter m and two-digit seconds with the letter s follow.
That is 2h30
